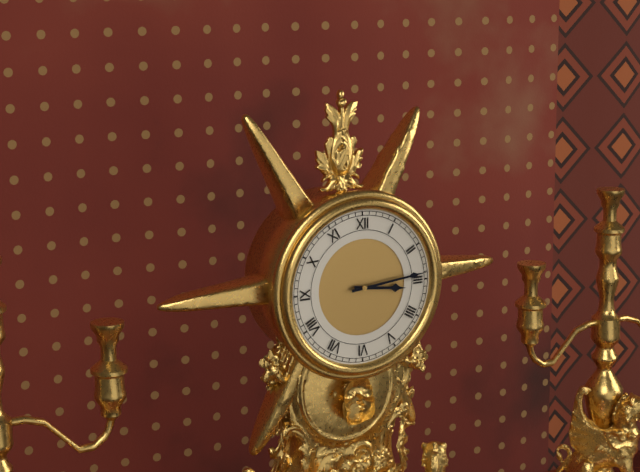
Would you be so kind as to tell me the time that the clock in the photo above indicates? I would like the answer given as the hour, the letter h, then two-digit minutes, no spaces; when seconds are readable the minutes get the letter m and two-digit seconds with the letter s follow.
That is 3h14
